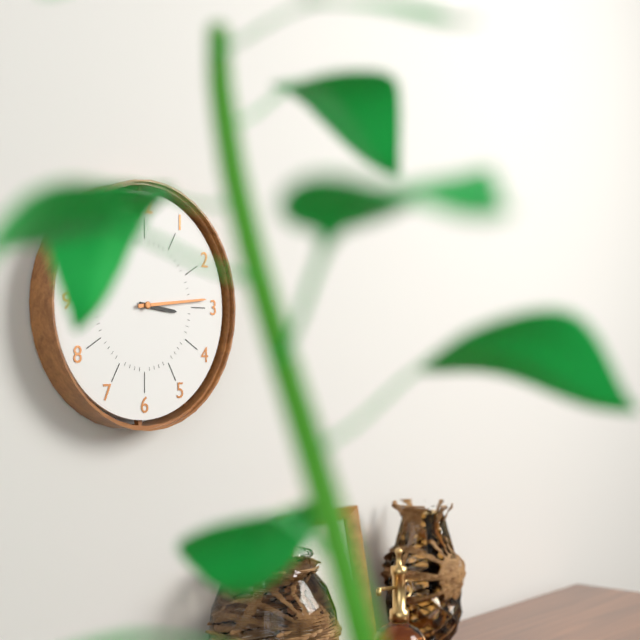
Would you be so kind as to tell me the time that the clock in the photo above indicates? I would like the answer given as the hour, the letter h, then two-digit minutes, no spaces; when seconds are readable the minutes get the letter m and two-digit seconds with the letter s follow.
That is 3h14
